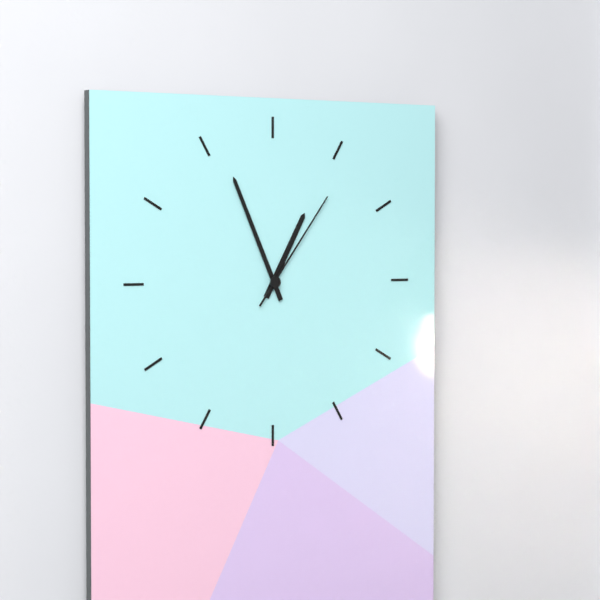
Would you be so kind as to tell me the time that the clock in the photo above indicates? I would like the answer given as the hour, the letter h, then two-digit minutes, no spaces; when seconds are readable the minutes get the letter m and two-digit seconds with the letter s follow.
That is 12h56m06s
